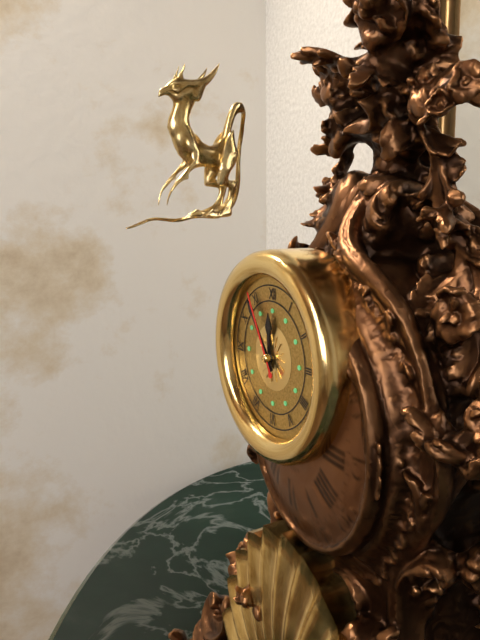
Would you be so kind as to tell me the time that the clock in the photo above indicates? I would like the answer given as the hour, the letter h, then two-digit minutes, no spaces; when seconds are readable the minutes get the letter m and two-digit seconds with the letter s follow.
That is 11h54m55s
